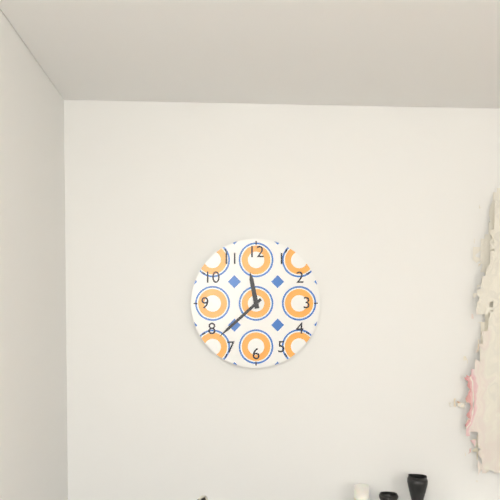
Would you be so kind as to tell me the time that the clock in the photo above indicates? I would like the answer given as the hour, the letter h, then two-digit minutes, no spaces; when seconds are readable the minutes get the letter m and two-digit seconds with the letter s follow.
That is 11h38
